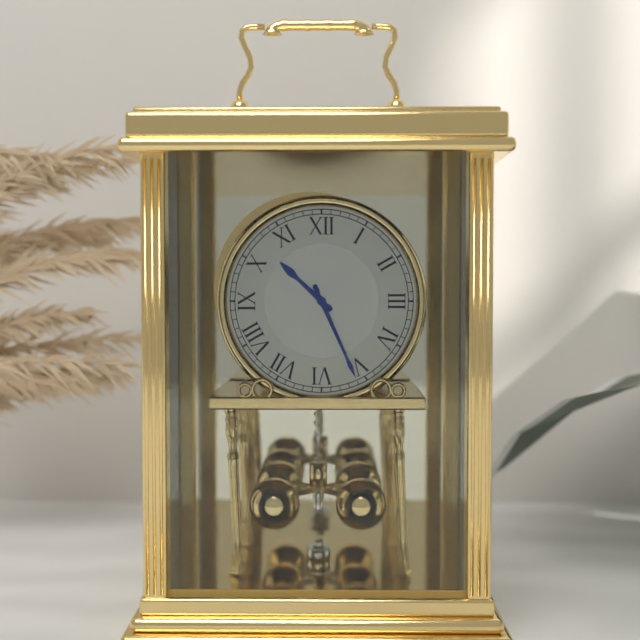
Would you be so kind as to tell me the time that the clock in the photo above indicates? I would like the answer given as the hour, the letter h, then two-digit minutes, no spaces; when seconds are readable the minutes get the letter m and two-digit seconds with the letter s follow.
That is 10h26
